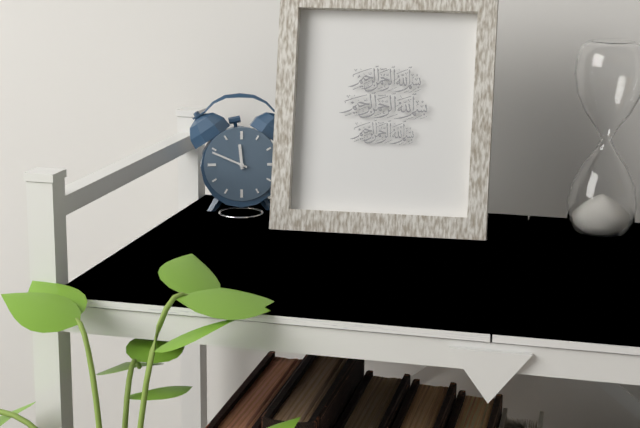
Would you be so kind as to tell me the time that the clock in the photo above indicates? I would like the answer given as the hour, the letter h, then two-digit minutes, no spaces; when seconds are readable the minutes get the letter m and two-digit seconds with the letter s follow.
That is 11h49
